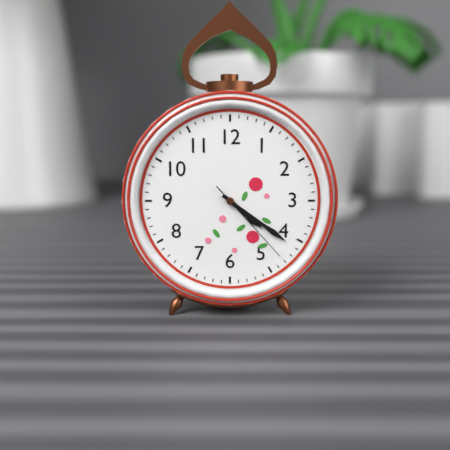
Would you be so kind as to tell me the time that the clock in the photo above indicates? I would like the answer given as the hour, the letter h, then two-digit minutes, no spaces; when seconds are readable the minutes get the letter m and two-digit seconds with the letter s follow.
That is 4h21m23s
